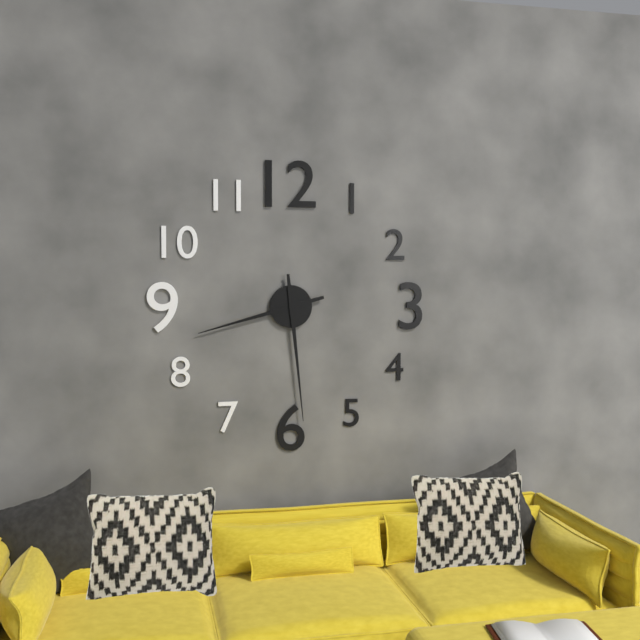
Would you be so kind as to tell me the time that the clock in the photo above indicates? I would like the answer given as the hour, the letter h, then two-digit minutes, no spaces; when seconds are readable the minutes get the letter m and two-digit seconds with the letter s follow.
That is 8h29
